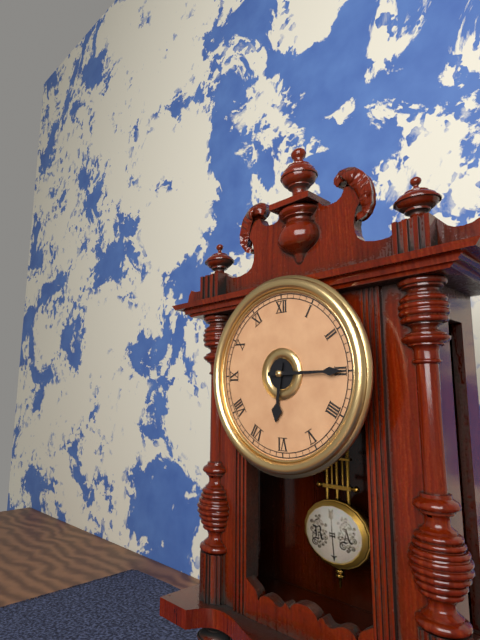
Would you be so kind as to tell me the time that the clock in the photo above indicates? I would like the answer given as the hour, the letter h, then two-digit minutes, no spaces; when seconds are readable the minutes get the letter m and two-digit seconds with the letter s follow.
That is 6h15
